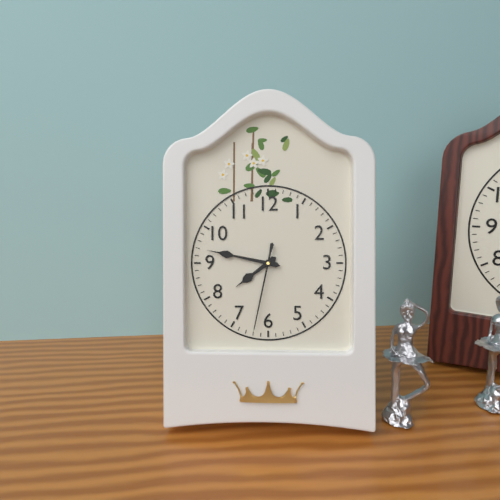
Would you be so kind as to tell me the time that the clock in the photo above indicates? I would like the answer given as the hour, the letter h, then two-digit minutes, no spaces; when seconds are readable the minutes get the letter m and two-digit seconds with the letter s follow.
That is 7h47m32s
